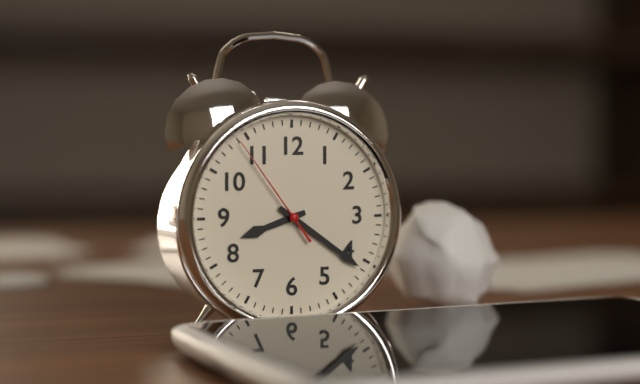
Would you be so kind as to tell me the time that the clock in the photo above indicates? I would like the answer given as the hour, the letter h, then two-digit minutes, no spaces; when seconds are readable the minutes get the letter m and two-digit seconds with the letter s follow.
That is 8h21m54s
